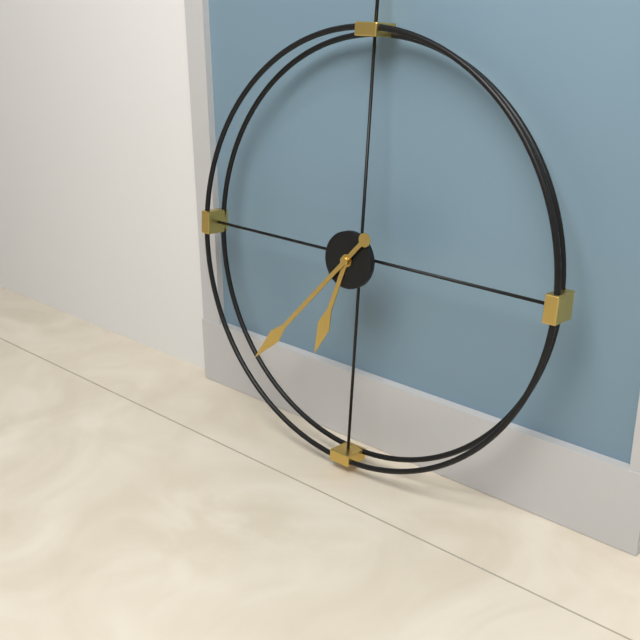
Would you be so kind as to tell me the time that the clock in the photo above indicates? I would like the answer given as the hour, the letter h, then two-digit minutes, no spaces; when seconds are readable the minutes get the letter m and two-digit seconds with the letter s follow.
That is 6h37
